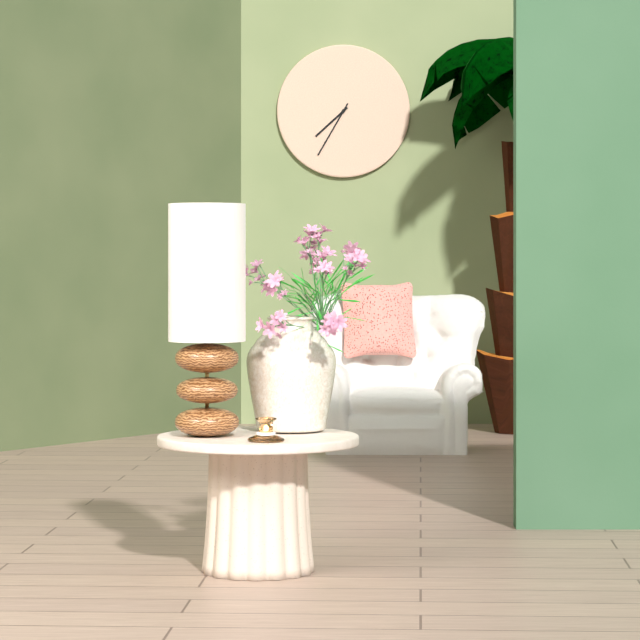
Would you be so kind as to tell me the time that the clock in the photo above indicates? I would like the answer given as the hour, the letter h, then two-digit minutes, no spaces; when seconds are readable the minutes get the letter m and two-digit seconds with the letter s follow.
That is 7h35
